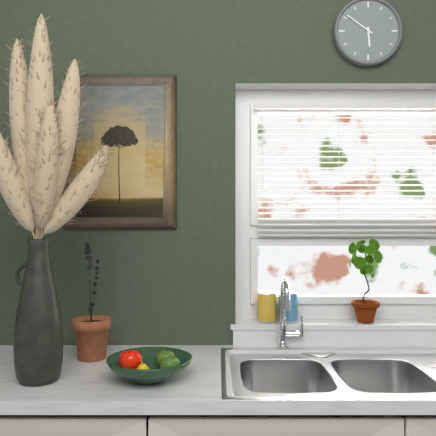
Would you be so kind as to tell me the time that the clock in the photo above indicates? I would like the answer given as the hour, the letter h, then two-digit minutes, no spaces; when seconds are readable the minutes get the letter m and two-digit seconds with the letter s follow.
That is 5h51
